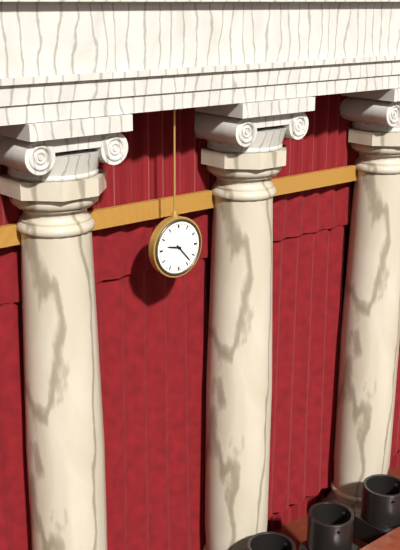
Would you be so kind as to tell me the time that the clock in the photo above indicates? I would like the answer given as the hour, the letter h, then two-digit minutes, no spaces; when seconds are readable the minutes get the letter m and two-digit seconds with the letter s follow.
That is 9h23
